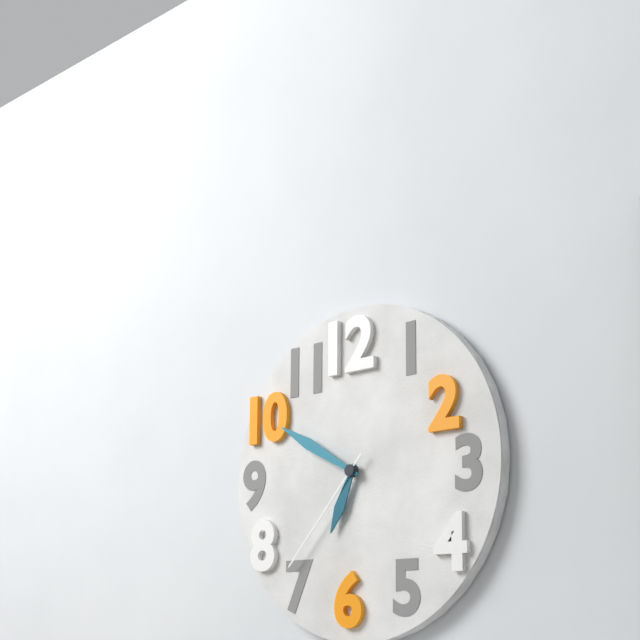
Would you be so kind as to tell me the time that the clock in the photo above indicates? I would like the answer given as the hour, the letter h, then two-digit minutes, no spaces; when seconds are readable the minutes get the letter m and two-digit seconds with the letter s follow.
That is 6h50m37s
